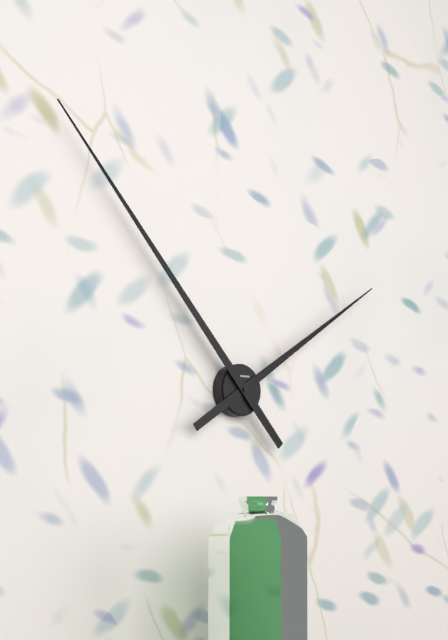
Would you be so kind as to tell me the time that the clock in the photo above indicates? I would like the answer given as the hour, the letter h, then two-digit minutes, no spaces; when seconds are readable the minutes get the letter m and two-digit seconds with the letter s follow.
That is 1h53
